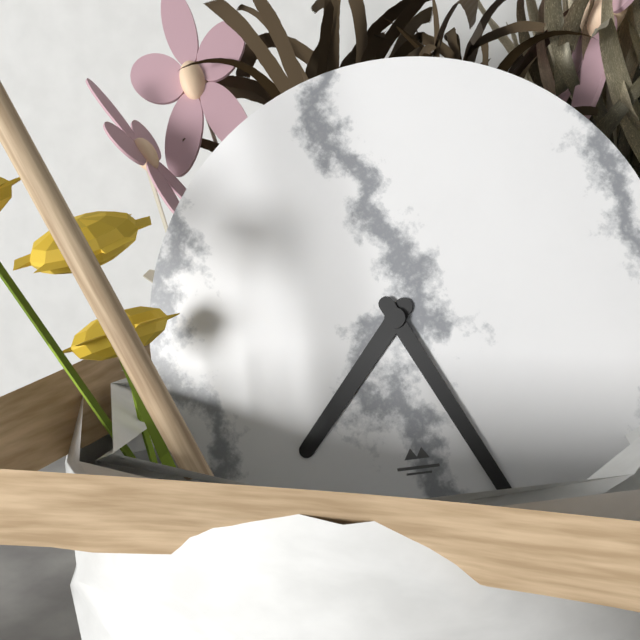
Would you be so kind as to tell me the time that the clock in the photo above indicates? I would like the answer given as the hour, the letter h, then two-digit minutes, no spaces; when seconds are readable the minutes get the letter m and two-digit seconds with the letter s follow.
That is 7h26
